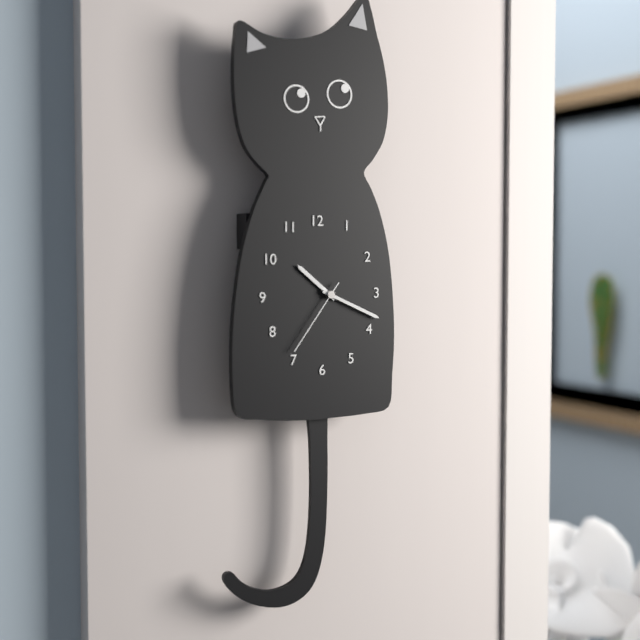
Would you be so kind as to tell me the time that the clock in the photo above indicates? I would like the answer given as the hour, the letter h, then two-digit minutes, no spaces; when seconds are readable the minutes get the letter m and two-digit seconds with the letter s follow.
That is 10h19m36s
